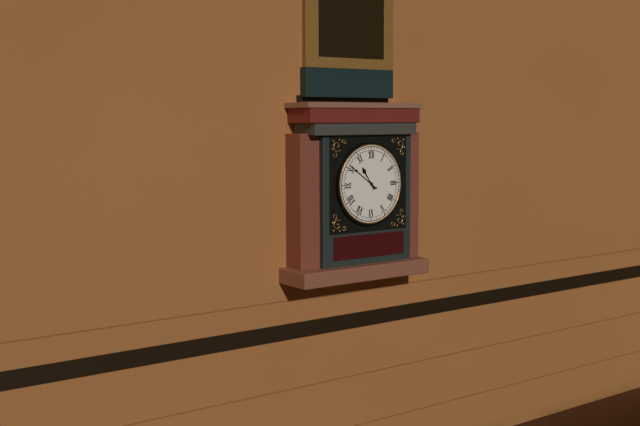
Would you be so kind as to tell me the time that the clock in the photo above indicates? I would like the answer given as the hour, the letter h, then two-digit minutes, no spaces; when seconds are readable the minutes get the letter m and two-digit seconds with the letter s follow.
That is 10h51
